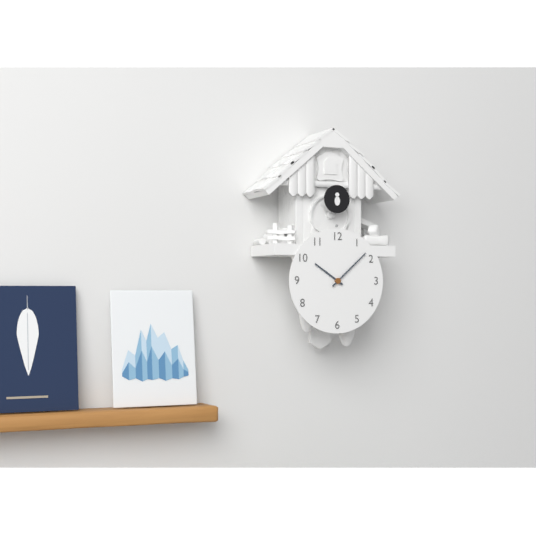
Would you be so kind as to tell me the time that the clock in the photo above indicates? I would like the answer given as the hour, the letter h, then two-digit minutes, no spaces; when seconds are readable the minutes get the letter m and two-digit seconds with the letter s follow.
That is 10h08
